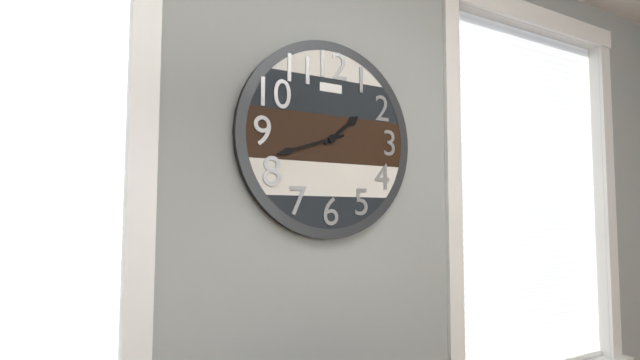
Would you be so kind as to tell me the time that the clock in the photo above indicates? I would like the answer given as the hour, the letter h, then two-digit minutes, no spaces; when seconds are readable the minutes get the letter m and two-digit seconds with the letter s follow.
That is 1h42
